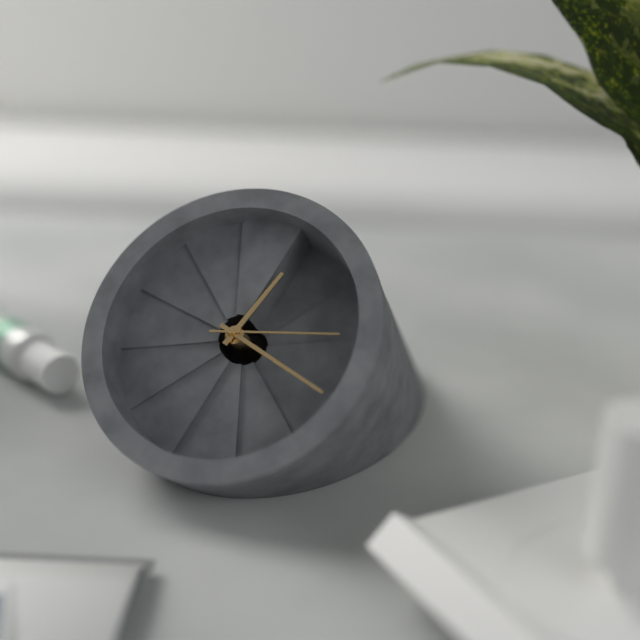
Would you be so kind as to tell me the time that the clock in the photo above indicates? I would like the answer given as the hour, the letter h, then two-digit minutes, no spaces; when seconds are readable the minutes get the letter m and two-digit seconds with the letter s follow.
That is 12h16m11s
